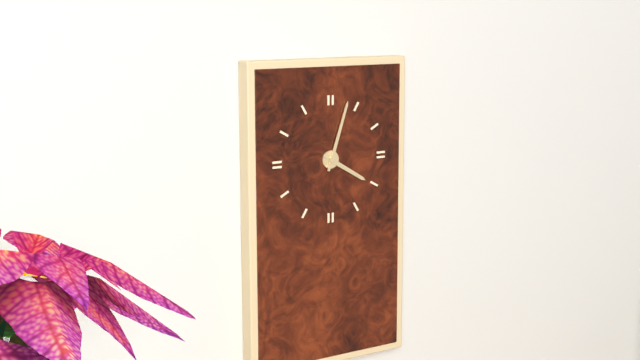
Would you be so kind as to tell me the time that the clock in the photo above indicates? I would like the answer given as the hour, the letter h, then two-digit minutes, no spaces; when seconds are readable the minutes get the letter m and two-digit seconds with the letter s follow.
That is 4h03
